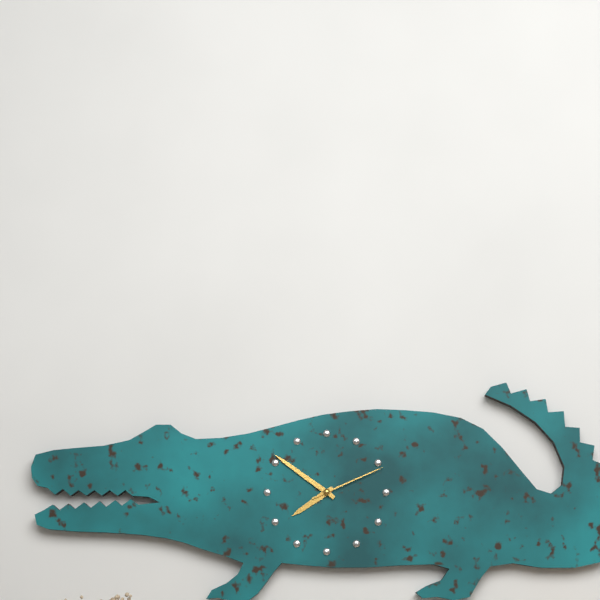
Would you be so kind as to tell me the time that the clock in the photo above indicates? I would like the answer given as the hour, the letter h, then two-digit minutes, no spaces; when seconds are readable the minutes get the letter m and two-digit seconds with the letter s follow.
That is 7h51m11s
